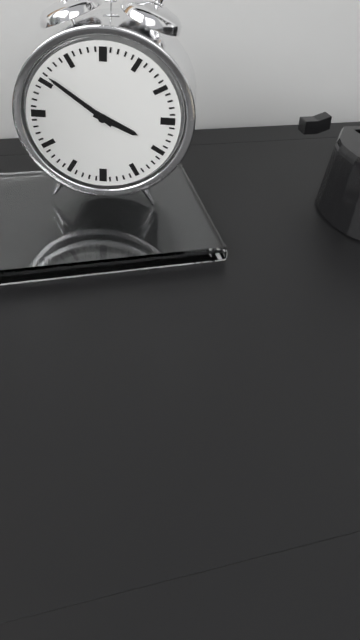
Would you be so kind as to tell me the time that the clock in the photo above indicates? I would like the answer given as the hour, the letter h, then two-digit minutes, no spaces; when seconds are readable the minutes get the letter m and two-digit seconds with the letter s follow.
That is 3h51
